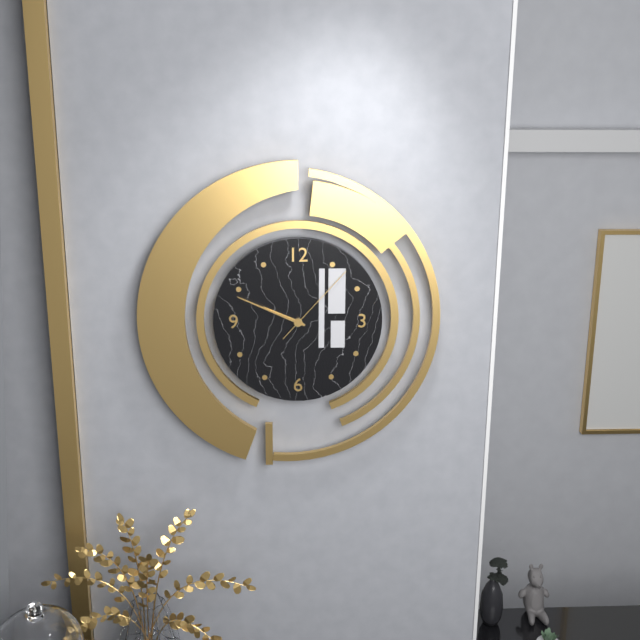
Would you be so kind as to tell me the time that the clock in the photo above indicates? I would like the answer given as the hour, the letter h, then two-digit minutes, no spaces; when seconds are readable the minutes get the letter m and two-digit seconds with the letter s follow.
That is 9h49m07s
